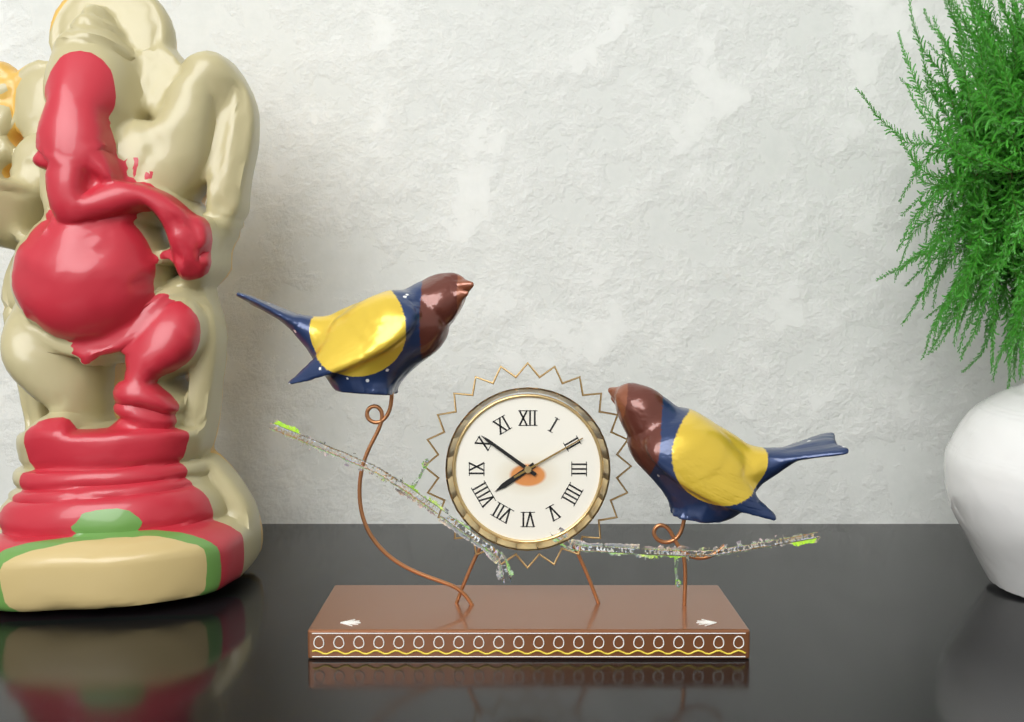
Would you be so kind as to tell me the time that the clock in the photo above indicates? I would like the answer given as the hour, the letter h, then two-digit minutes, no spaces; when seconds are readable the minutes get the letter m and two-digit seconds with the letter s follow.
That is 7h51m10s
